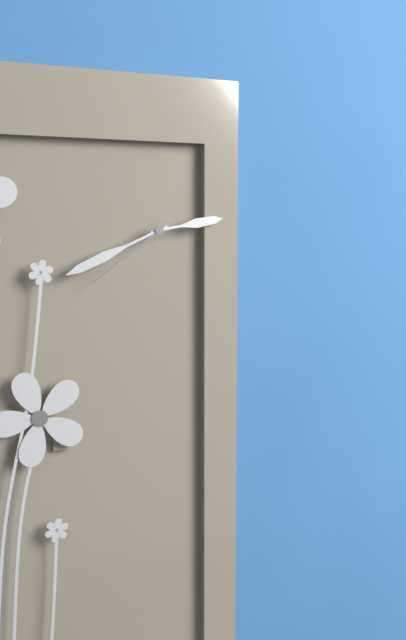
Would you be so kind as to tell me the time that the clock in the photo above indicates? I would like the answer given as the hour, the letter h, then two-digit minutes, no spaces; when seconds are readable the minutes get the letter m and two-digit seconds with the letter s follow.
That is 2h41m39s
